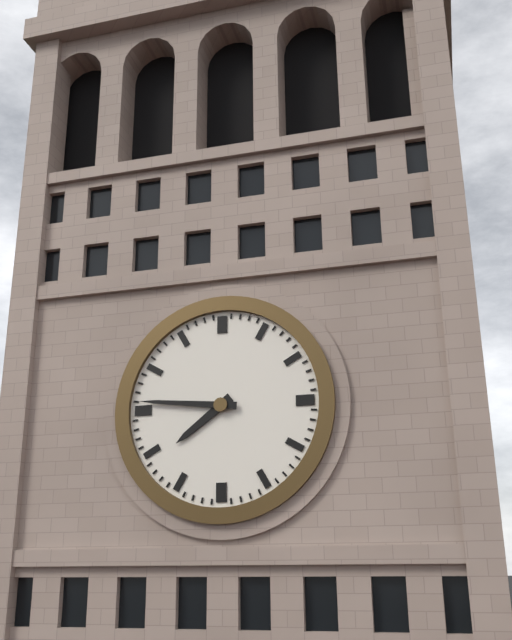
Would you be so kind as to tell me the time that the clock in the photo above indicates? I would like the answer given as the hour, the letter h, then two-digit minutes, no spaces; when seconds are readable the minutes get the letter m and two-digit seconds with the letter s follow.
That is 7h46
